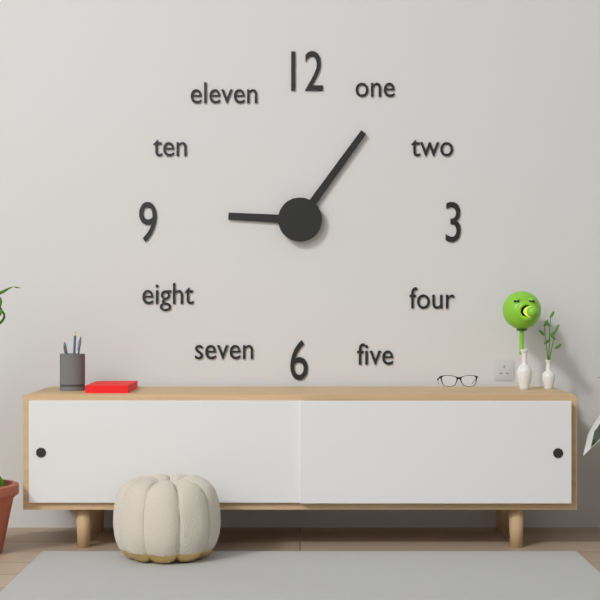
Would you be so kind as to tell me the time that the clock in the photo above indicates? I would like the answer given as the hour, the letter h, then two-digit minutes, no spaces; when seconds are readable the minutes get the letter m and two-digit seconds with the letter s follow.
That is 9h06
